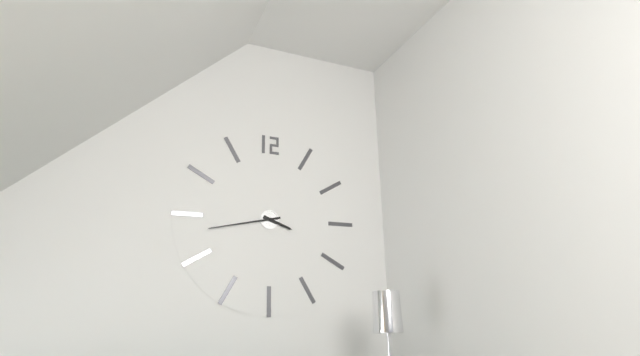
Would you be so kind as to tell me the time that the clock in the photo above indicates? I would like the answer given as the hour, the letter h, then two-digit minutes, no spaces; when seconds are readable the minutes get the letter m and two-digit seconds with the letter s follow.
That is 3h43
